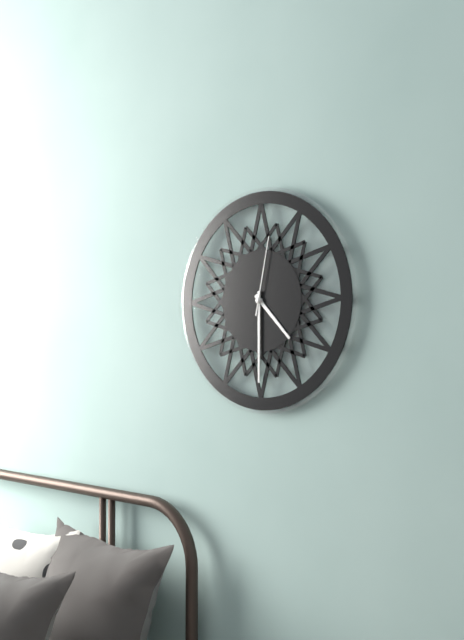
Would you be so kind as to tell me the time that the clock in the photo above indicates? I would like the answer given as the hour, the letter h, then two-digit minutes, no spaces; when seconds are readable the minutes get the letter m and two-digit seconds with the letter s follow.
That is 4h30m02s
